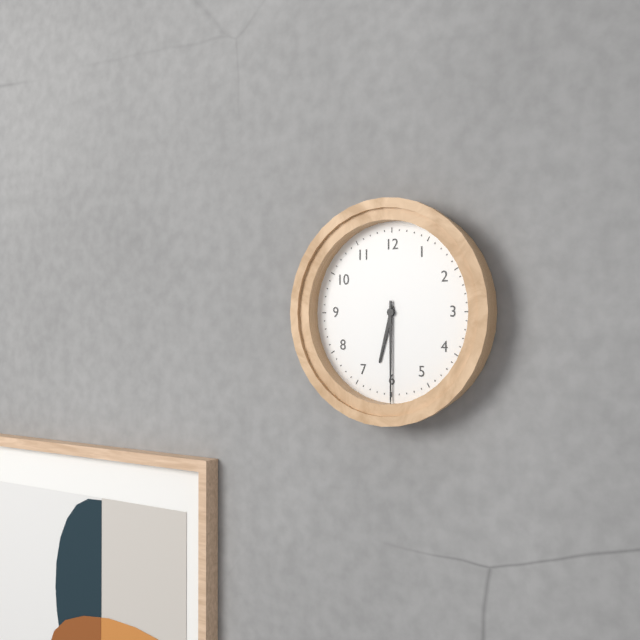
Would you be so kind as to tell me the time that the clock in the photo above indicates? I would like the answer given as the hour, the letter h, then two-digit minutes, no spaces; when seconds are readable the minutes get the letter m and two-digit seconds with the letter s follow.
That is 6h30
